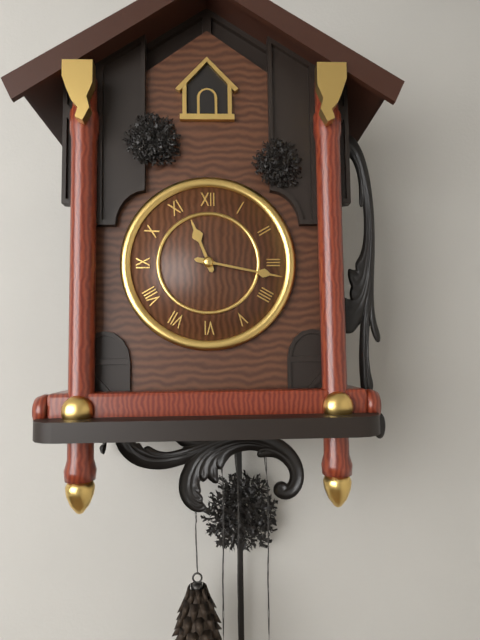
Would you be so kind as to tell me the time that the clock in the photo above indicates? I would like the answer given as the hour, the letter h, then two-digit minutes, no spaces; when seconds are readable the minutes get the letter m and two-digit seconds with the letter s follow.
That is 11h17
